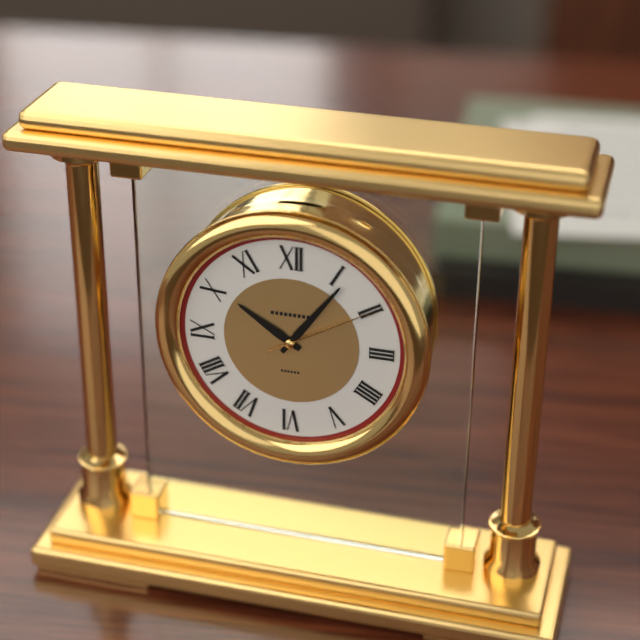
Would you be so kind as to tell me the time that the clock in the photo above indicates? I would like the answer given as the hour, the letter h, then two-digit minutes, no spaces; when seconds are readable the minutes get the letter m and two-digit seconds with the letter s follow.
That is 10h06m10s
